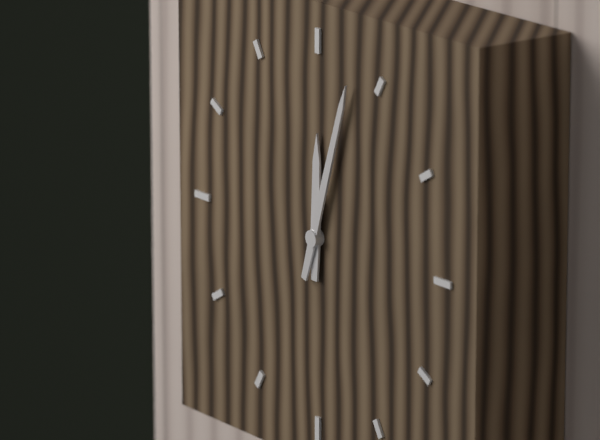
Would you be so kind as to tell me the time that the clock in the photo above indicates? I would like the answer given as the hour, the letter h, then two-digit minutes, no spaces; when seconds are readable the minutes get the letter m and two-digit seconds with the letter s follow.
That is 12h03
